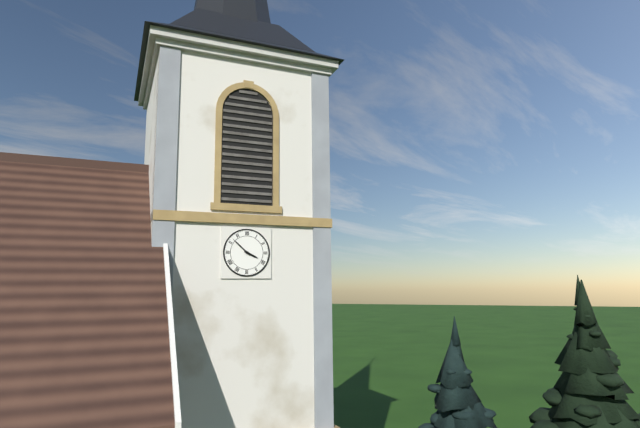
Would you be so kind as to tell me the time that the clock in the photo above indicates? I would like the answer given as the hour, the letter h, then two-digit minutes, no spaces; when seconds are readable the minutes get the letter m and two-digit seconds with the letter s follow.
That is 3h52
